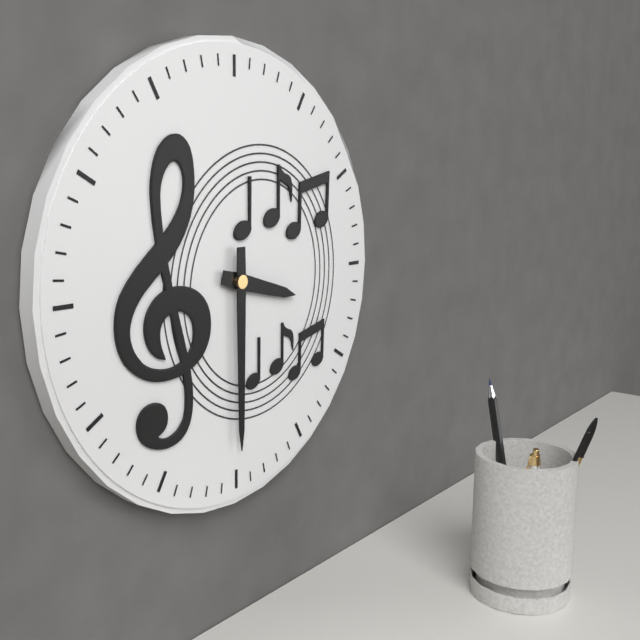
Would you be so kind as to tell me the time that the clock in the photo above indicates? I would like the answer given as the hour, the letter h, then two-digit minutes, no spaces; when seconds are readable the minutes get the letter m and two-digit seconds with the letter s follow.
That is 3h30
